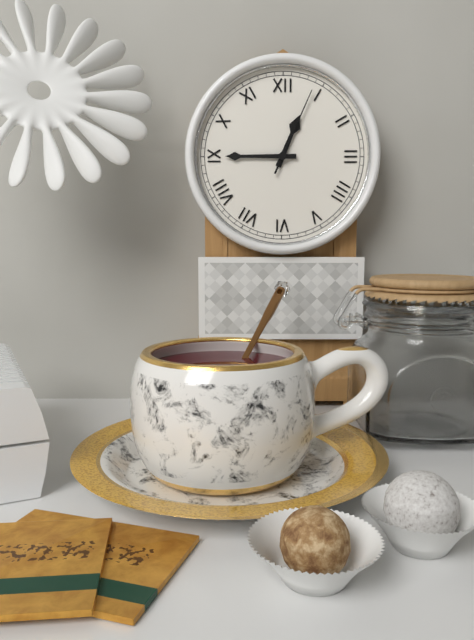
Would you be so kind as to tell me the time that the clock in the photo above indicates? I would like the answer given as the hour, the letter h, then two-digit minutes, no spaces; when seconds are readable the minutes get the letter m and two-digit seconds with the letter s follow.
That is 12h45m04s
